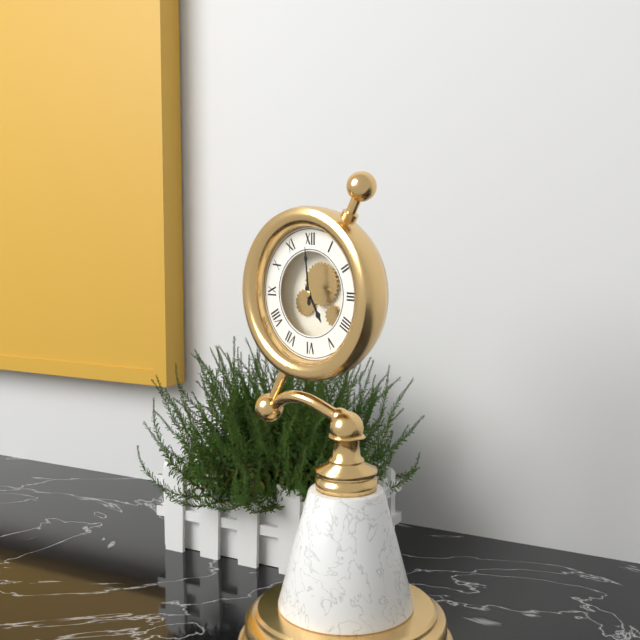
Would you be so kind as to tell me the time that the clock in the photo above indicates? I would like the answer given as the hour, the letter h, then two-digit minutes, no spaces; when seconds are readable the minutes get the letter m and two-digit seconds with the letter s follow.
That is 4h59
